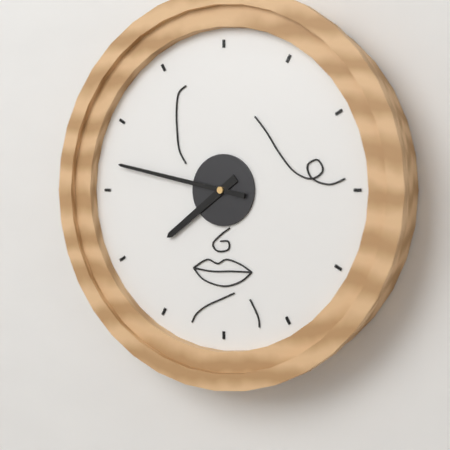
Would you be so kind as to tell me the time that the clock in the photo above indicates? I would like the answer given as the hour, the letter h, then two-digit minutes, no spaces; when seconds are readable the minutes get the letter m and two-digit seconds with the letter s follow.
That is 7h47
